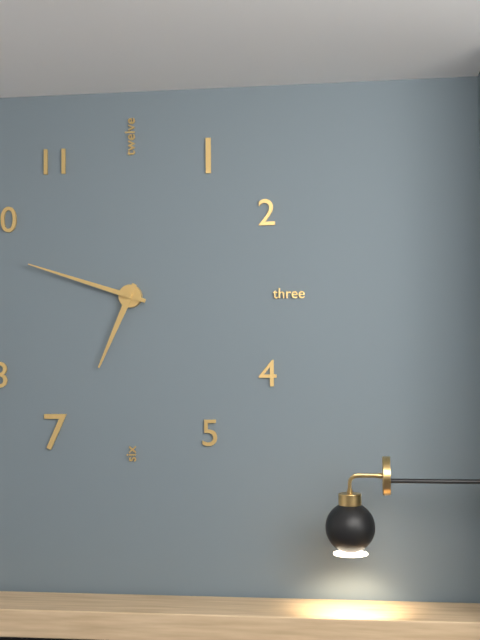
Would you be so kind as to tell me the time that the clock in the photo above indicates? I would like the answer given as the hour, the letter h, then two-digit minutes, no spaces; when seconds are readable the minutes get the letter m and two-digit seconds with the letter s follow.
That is 6h48
